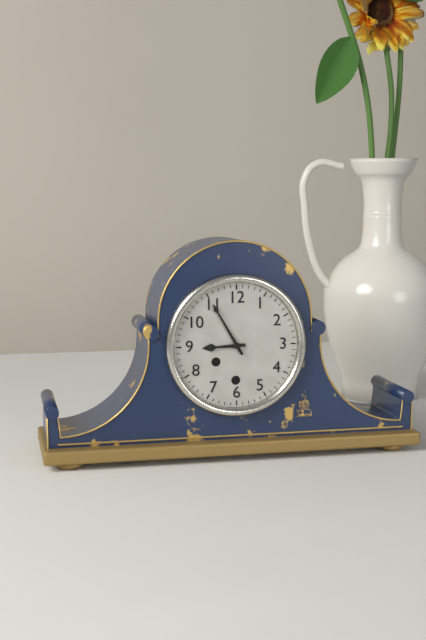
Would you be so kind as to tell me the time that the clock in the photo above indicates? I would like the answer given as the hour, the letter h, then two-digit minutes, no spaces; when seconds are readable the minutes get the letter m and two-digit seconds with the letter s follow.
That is 8h55
